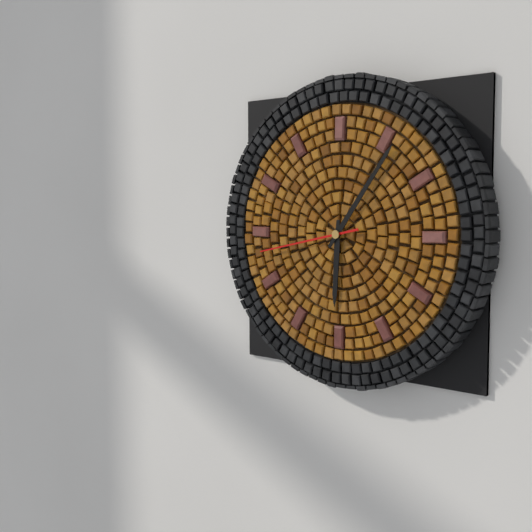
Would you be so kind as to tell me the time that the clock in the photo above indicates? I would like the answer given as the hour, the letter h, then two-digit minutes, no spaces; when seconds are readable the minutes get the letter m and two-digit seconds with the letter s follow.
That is 6h06m43s
